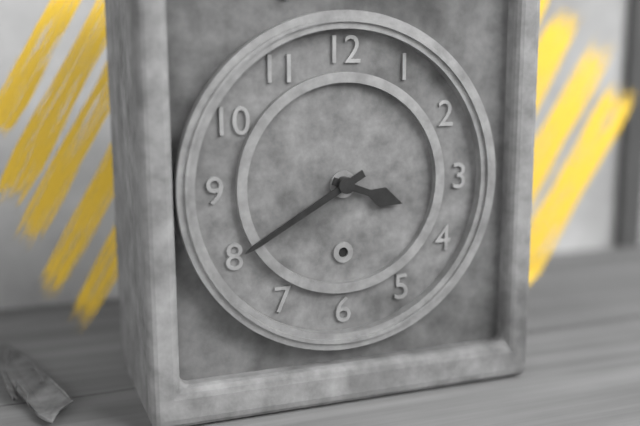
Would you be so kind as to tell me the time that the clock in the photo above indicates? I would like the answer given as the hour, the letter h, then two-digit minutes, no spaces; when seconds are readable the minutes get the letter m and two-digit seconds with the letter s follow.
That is 3h40
